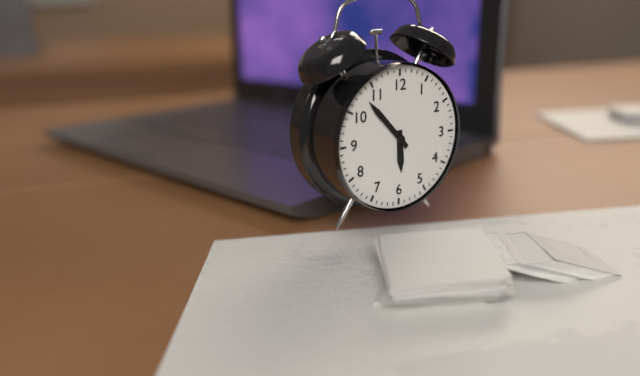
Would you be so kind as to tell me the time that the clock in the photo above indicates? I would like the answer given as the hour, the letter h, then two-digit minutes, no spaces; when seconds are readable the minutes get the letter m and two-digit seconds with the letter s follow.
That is 5h53
